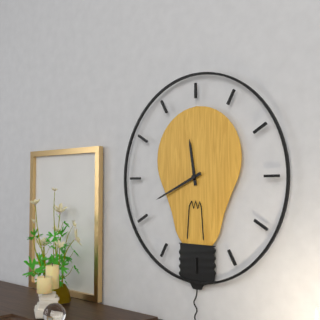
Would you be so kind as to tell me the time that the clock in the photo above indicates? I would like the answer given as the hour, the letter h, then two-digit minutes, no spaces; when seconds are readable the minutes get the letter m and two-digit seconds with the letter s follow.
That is 11h41
